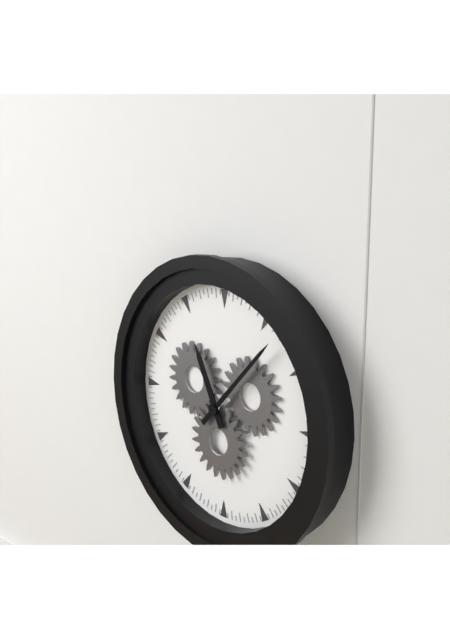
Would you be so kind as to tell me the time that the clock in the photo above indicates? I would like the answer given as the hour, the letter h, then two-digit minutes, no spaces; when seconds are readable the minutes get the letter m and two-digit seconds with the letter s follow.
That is 11h07
